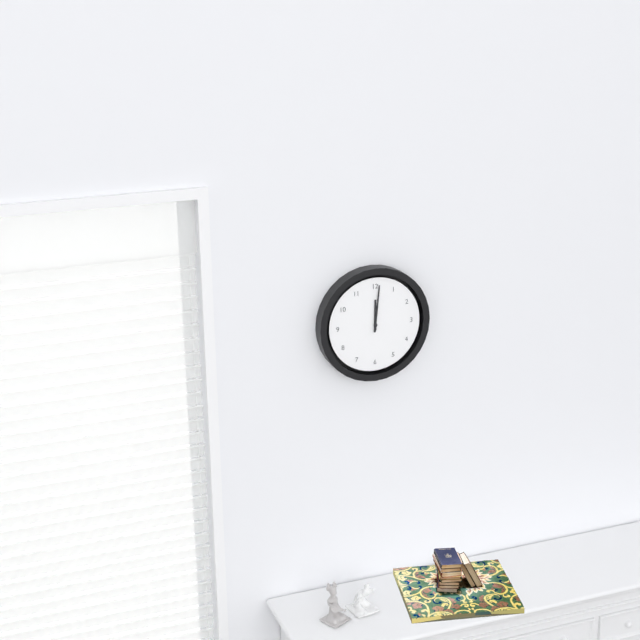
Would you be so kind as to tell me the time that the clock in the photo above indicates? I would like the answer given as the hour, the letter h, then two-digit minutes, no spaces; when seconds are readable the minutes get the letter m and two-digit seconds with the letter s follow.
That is 12h01
